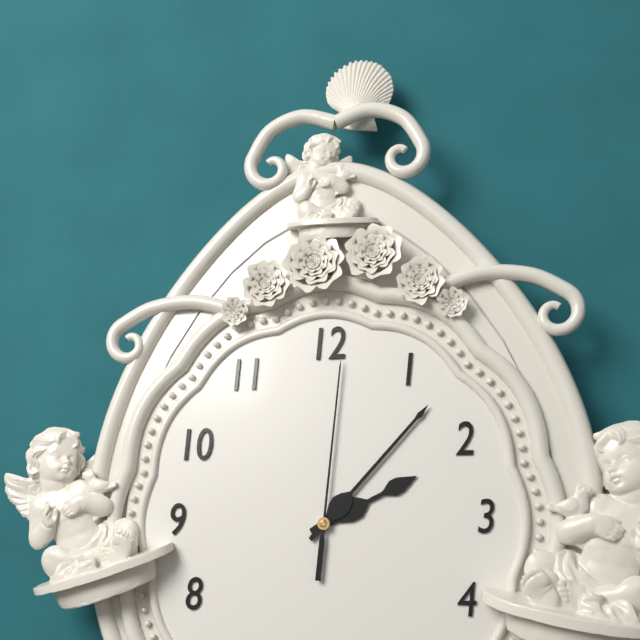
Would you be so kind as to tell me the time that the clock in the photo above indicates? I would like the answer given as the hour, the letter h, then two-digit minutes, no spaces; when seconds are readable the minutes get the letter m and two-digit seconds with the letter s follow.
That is 2h07m01s
